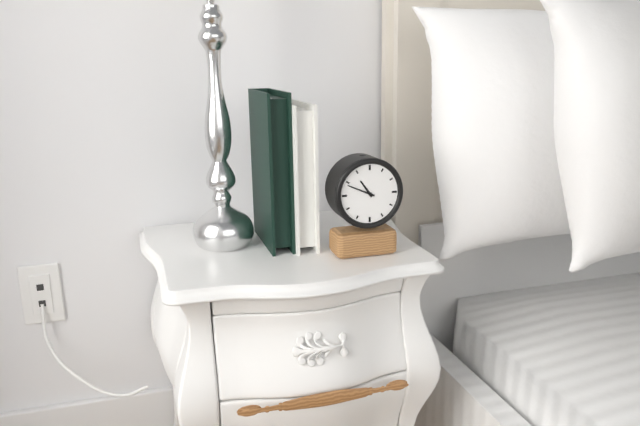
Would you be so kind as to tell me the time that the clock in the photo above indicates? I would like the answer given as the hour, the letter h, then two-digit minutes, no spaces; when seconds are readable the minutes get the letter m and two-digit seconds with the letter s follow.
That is 10h49
